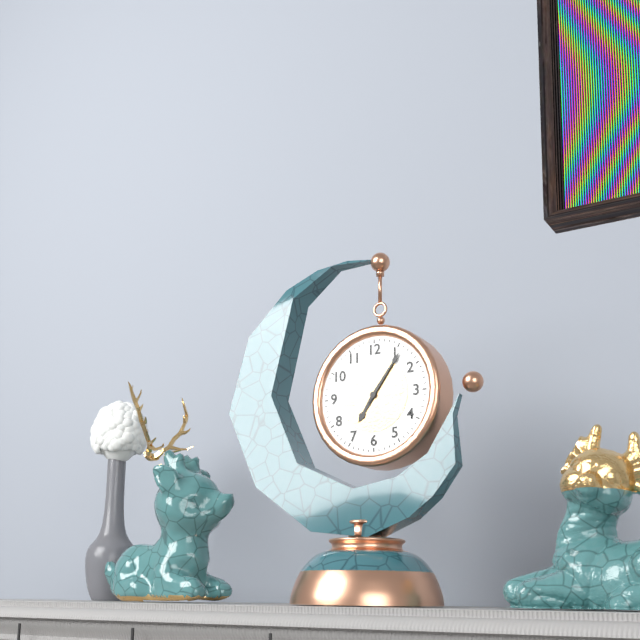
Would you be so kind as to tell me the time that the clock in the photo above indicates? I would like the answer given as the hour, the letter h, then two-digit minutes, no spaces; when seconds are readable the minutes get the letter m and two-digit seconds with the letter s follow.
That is 7h06
